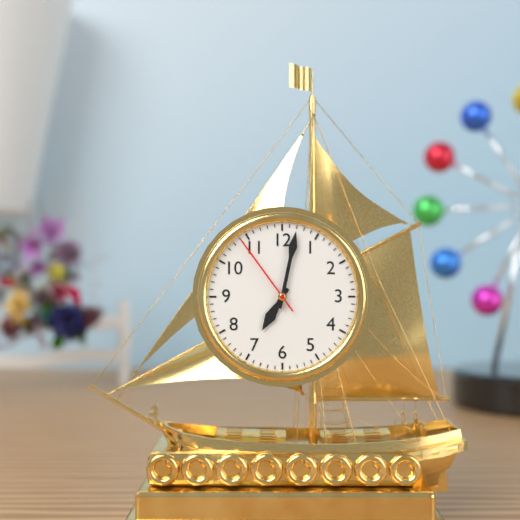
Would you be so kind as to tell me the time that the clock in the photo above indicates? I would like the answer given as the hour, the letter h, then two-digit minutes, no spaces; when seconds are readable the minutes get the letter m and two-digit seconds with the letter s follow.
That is 7h02m54s
